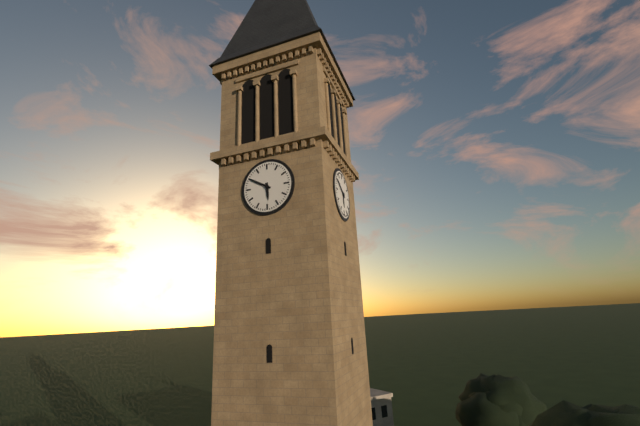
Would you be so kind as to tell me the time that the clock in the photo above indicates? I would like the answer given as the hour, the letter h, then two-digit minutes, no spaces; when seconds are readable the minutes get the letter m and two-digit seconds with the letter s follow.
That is 5h50
